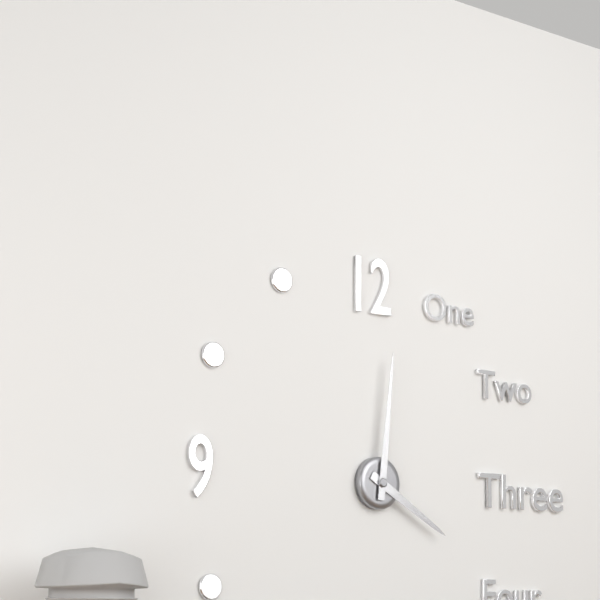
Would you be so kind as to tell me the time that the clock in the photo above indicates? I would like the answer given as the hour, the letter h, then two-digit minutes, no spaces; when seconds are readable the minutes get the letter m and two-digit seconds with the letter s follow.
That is 4h01
